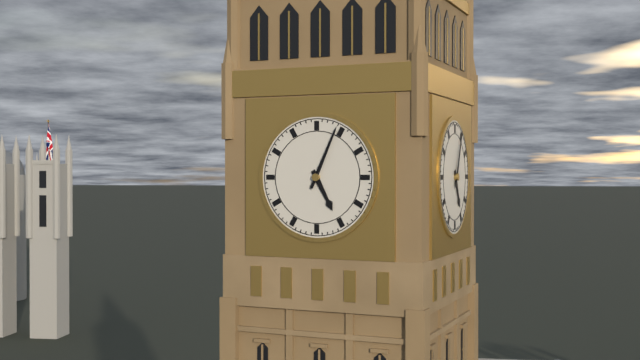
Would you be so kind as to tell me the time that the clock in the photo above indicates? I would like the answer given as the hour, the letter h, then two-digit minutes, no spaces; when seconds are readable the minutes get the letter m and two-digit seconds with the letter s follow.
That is 5h04
